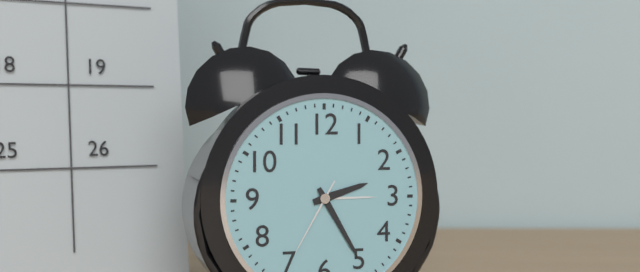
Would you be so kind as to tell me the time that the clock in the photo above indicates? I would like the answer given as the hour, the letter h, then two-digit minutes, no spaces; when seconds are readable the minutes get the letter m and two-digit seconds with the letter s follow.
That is 2h25m35s
